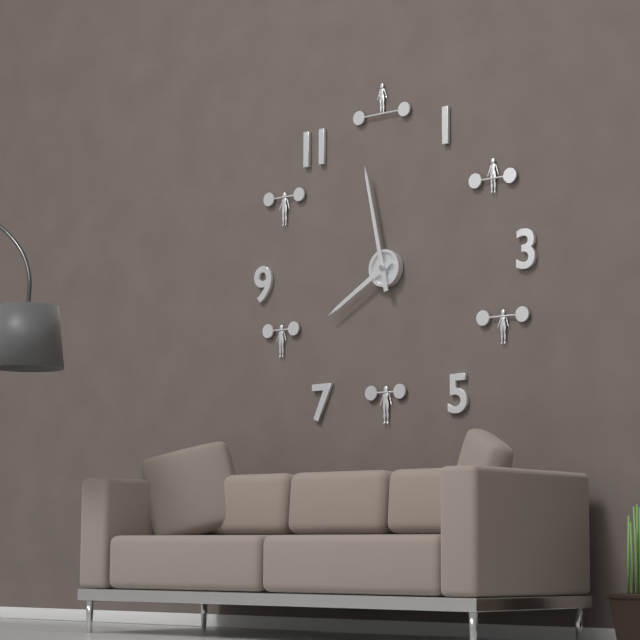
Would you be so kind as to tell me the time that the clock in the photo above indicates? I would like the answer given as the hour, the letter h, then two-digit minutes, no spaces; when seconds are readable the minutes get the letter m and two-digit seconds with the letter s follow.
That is 7h58
